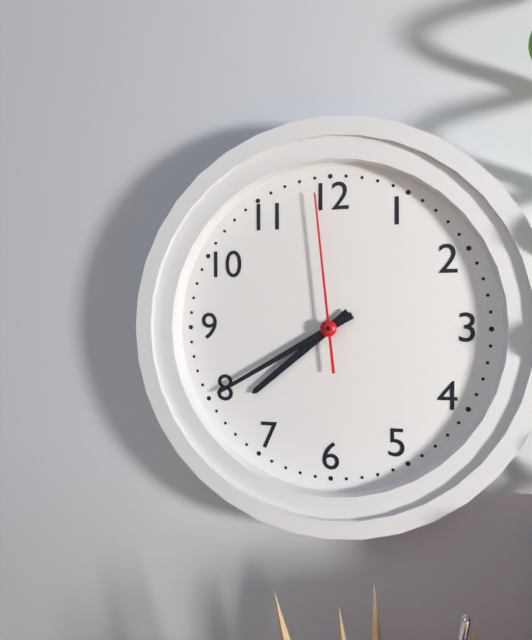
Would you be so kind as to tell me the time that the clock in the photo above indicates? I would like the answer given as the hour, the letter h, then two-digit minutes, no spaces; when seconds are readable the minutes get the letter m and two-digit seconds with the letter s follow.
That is 7h40m59s
